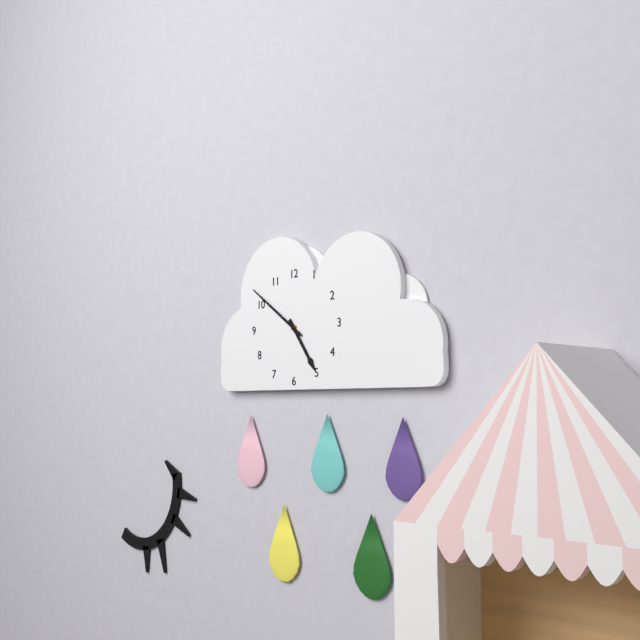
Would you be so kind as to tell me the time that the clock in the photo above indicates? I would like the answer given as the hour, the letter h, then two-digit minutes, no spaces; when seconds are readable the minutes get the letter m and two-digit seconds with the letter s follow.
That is 4h51
